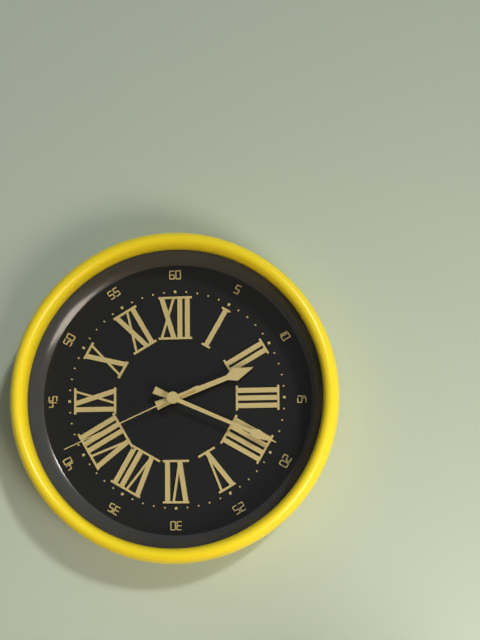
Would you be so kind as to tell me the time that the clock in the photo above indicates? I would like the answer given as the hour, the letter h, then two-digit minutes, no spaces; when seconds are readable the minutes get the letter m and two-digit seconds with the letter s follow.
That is 2h19m41s
